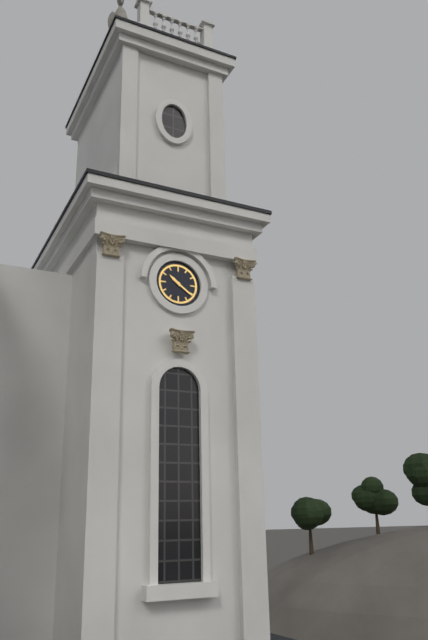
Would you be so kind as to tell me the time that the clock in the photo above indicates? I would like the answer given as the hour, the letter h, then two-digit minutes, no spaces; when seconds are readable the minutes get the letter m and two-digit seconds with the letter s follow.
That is 10h21
